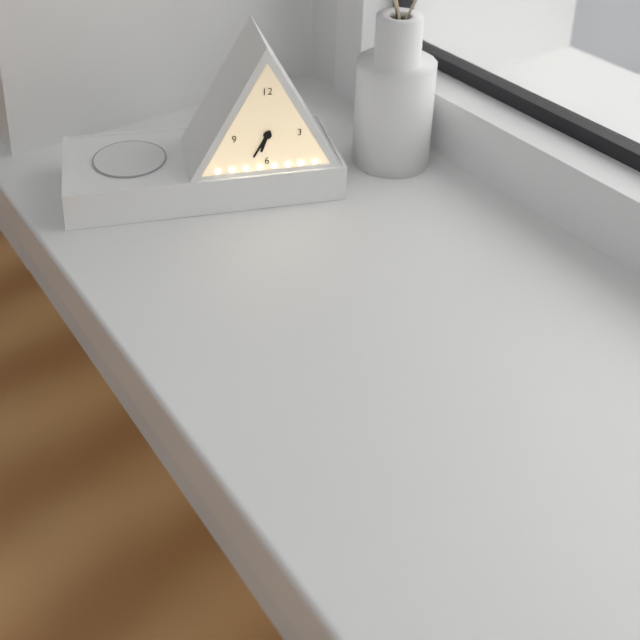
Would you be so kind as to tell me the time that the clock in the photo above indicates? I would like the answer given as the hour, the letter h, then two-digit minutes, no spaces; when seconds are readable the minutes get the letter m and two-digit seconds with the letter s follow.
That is 6h35
